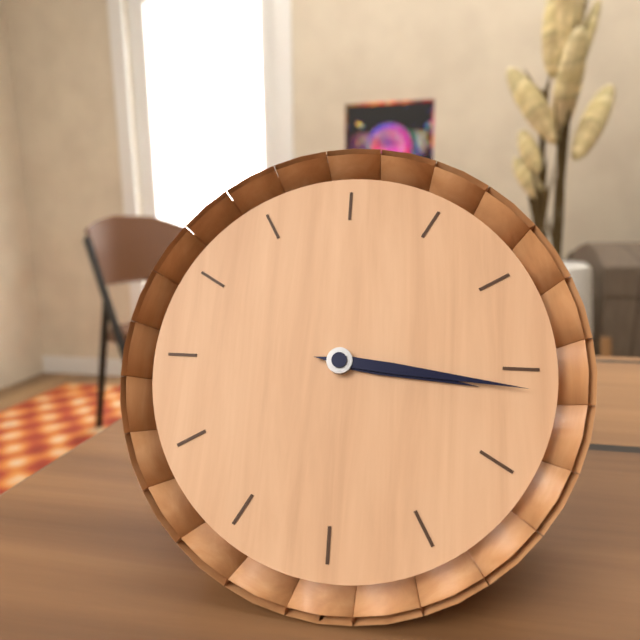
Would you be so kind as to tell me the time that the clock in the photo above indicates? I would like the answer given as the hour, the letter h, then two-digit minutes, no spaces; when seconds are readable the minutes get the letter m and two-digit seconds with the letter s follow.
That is 3h16
